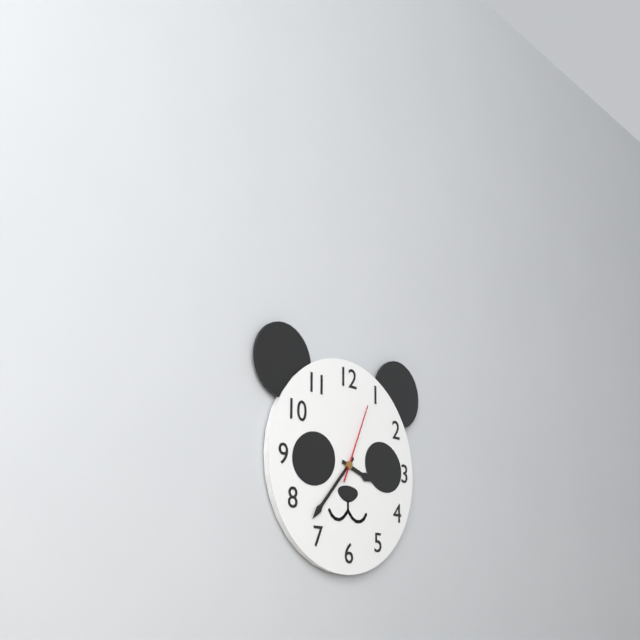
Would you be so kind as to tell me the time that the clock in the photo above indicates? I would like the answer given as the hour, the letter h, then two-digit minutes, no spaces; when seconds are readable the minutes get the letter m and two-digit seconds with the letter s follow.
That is 3h37m04s
